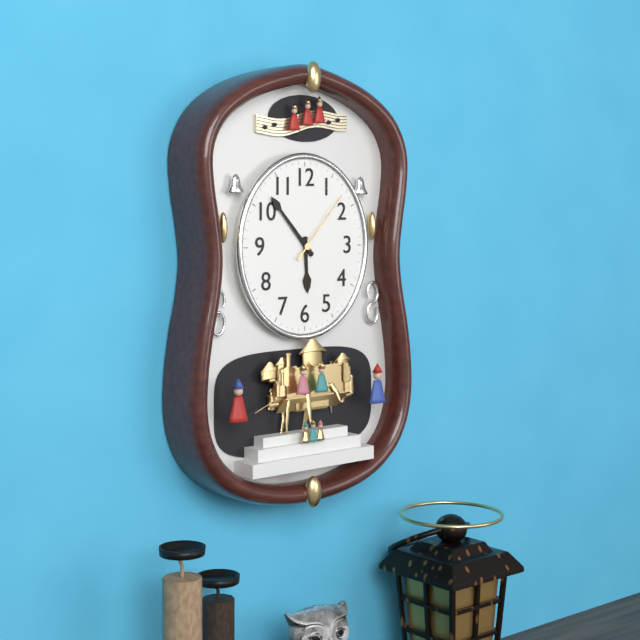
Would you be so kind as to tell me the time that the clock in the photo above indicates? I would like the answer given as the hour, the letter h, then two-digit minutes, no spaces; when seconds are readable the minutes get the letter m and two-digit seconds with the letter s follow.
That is 5h53m07s
